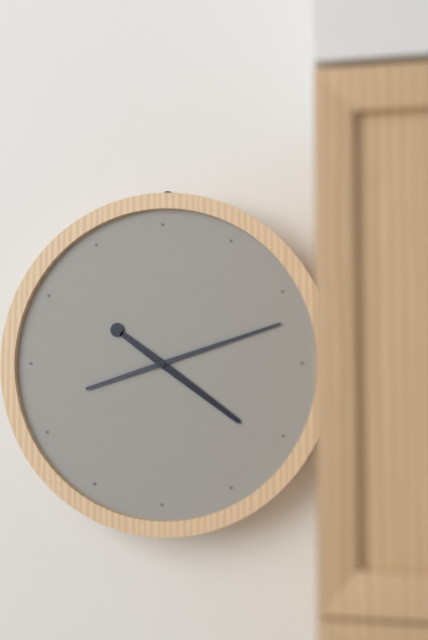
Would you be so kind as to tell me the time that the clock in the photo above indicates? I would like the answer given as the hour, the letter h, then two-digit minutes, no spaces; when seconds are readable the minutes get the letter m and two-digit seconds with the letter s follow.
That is 4h12
